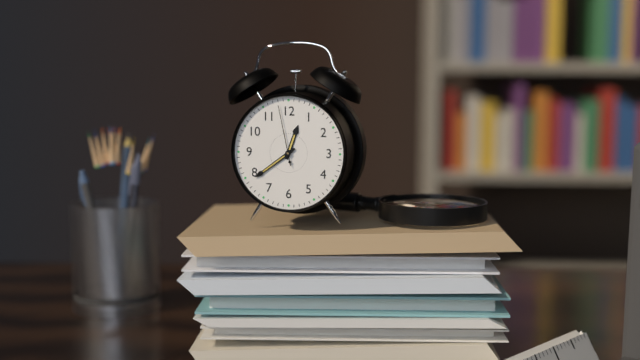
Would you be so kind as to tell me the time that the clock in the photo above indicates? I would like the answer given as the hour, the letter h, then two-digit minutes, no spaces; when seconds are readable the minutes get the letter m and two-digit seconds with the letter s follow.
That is 12h39m58s
